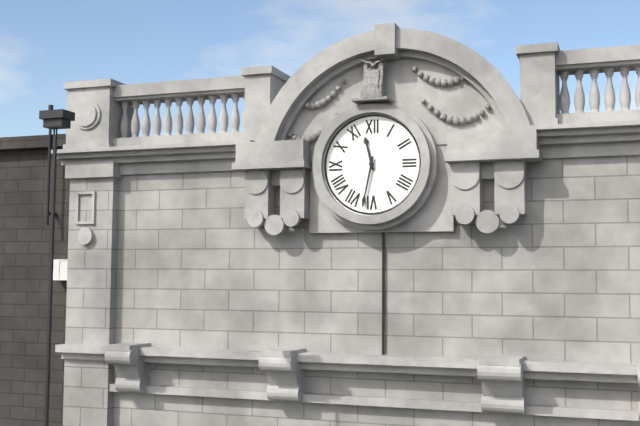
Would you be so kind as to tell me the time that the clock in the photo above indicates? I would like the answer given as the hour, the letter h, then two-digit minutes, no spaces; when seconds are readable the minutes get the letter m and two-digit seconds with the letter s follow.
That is 11h32
